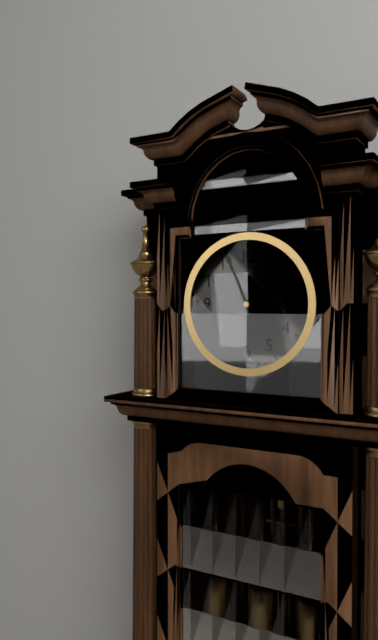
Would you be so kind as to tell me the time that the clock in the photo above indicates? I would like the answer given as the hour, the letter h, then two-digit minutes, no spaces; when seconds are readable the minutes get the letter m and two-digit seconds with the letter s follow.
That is 9h56
